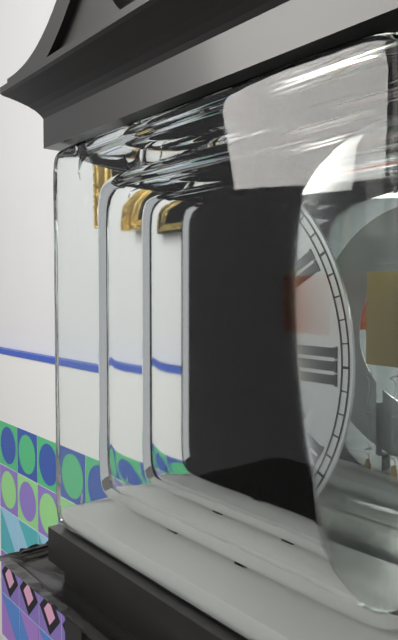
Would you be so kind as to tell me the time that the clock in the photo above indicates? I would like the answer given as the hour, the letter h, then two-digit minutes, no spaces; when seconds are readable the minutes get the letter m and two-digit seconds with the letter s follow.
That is 9h55
